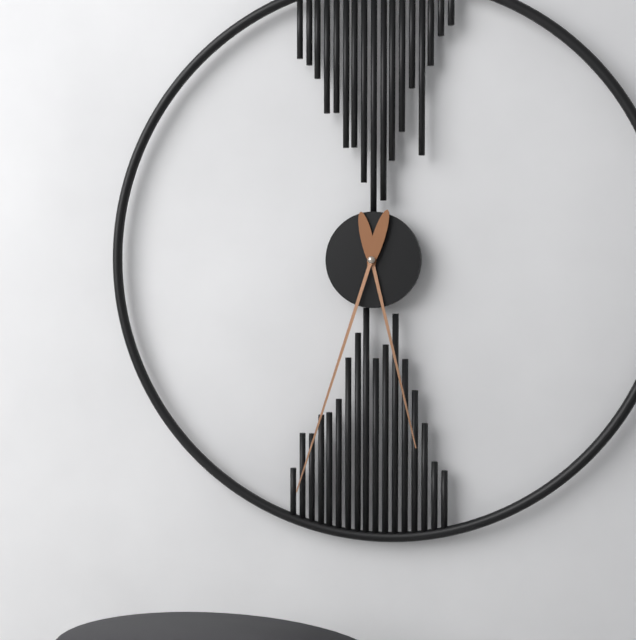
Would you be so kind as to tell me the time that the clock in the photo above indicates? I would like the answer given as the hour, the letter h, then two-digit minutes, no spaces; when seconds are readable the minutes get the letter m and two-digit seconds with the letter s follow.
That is 5h33
